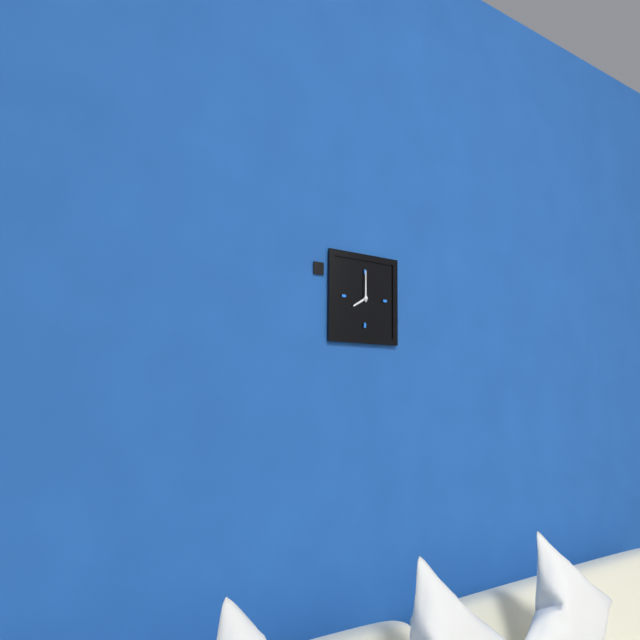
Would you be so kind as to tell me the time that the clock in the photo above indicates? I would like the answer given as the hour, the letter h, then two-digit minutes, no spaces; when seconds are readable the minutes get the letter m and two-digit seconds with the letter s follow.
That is 8h00
